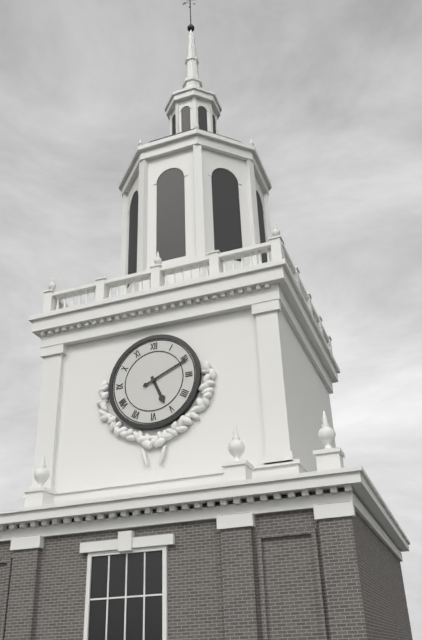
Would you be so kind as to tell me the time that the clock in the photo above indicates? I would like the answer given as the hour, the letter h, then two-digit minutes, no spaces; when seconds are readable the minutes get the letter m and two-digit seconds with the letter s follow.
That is 5h11
